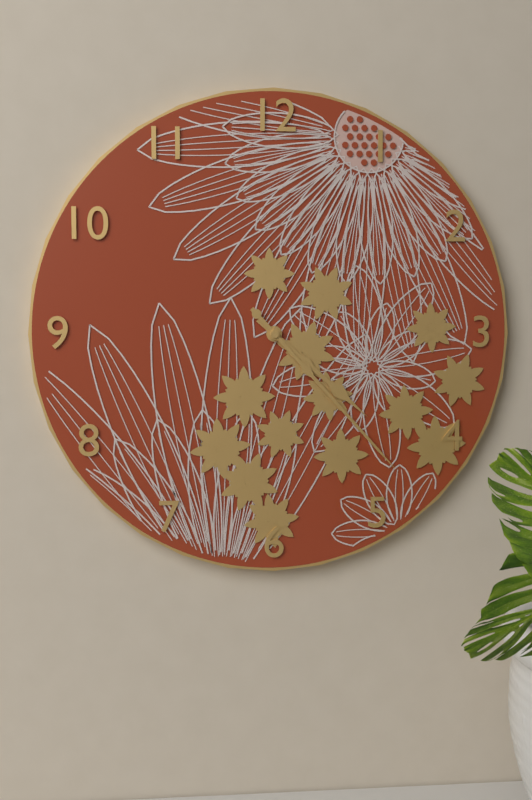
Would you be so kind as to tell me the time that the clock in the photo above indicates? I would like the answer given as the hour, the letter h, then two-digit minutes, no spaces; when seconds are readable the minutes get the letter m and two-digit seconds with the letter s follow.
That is 4h23
